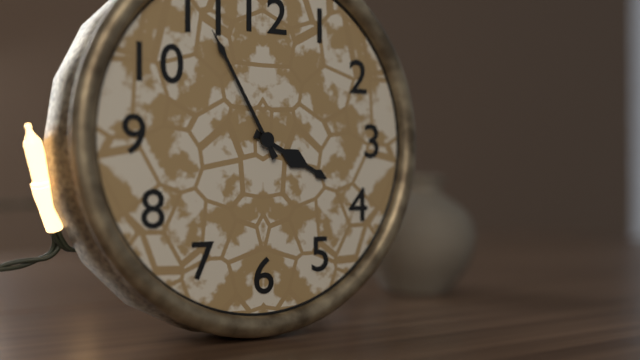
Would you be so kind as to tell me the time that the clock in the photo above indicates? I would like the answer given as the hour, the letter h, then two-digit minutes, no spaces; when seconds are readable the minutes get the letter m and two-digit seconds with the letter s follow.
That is 3h55
